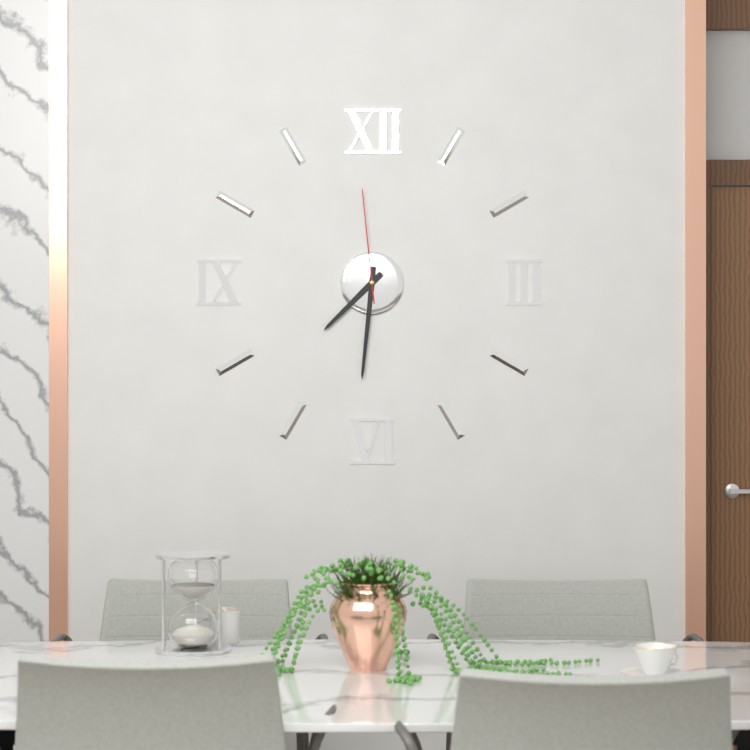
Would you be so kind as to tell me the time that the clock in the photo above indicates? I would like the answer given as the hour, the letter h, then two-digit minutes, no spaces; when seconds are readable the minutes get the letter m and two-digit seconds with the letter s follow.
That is 7h31m59s
